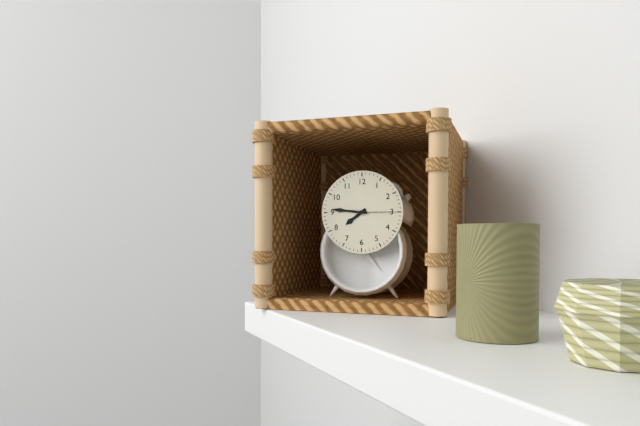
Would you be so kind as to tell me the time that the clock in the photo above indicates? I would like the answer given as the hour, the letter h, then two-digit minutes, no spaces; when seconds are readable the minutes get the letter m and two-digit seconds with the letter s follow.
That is 7h46
